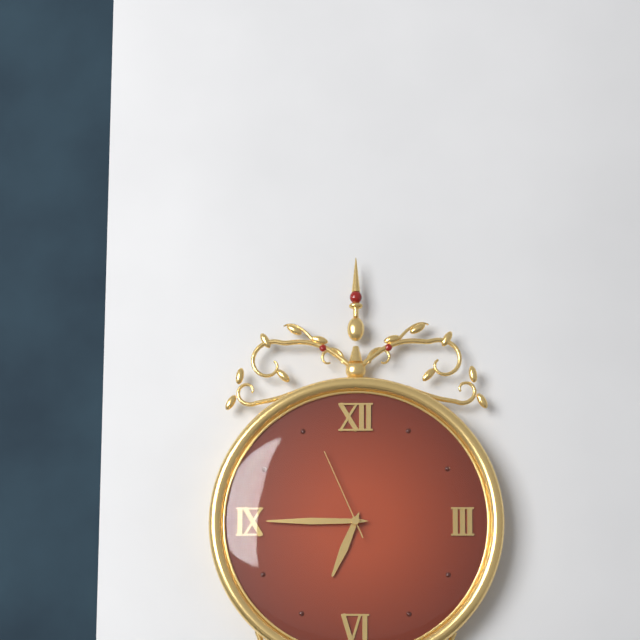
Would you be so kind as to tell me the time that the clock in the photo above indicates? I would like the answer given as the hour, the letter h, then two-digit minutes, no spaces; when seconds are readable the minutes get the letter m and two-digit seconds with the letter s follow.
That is 6h45m56s
